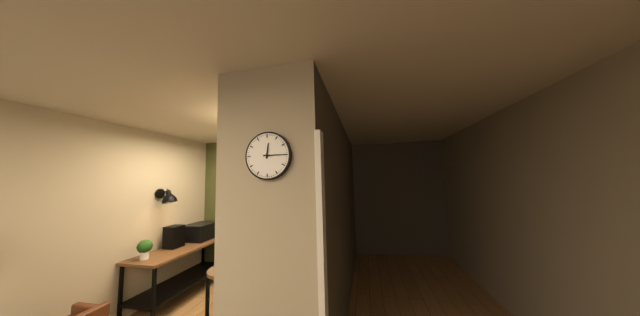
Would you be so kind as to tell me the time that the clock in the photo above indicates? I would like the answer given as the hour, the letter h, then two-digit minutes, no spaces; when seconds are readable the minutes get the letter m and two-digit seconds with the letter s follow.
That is 12h15
